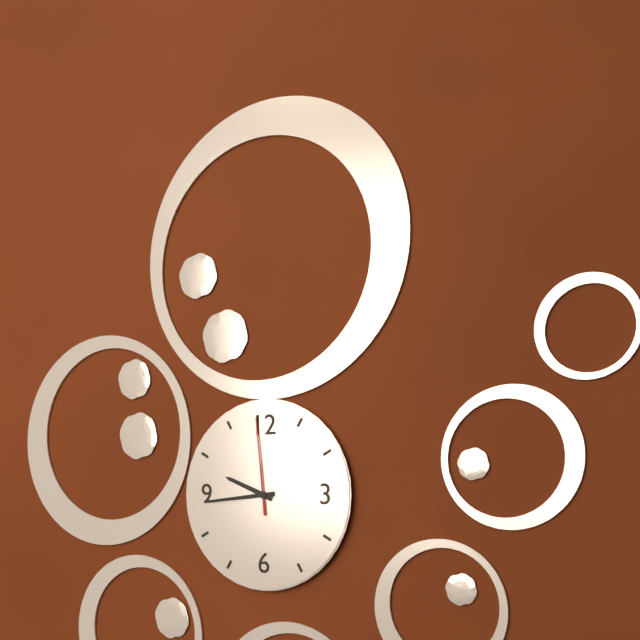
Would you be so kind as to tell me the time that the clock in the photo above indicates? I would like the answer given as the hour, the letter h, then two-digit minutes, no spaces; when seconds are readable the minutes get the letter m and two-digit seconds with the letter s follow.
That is 9h44m59s
